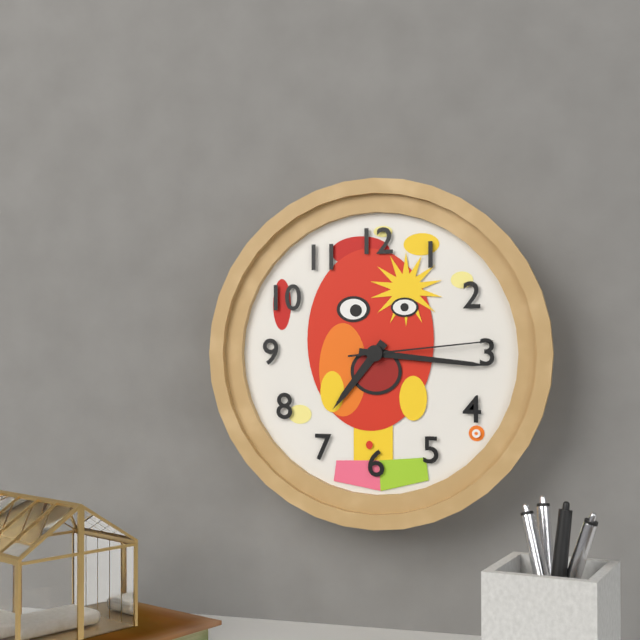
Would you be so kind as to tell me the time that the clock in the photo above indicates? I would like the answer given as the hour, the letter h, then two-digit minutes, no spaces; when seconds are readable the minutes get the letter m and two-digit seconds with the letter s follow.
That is 7h16m14s
